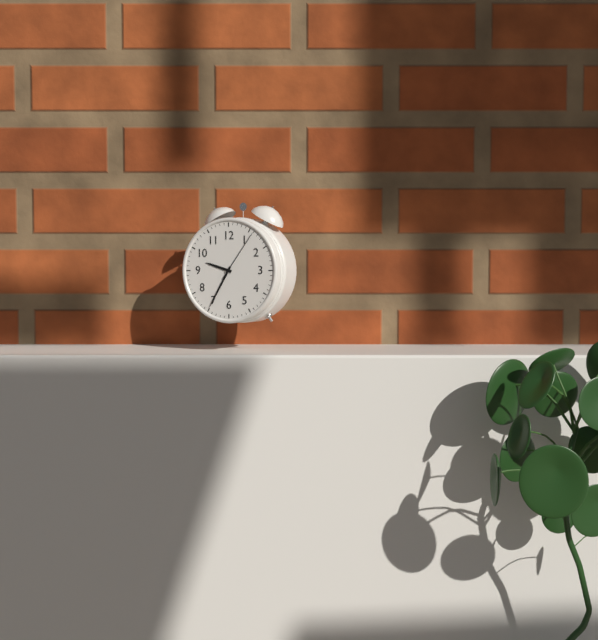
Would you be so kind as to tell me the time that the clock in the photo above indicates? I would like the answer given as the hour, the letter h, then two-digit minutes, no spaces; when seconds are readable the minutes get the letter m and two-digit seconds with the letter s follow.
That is 9h35m06s
